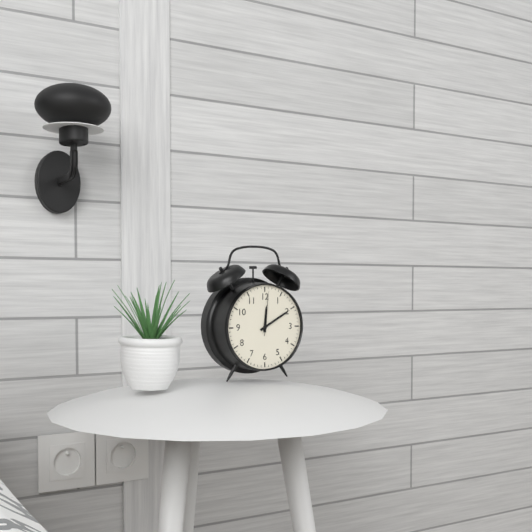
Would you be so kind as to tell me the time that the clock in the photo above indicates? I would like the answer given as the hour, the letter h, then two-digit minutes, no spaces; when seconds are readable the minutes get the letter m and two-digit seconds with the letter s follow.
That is 12h10
